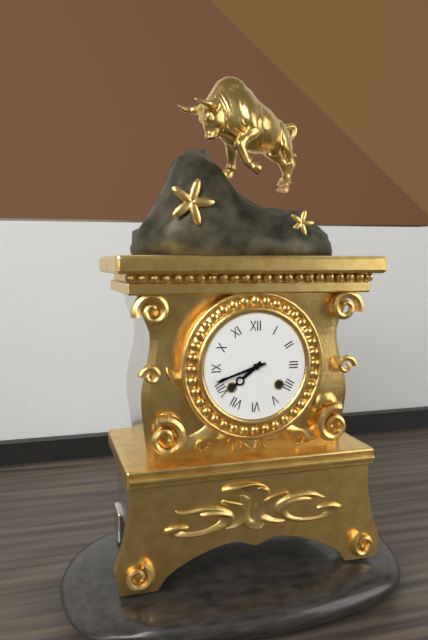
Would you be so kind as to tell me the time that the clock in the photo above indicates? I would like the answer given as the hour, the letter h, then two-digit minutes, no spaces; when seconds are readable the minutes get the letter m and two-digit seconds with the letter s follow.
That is 7h42
